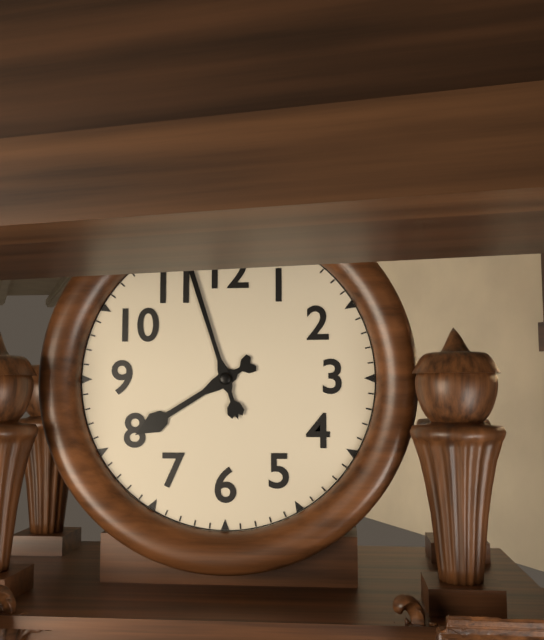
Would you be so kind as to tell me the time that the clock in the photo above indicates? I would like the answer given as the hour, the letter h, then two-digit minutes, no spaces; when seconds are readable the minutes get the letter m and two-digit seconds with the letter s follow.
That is 7h57
